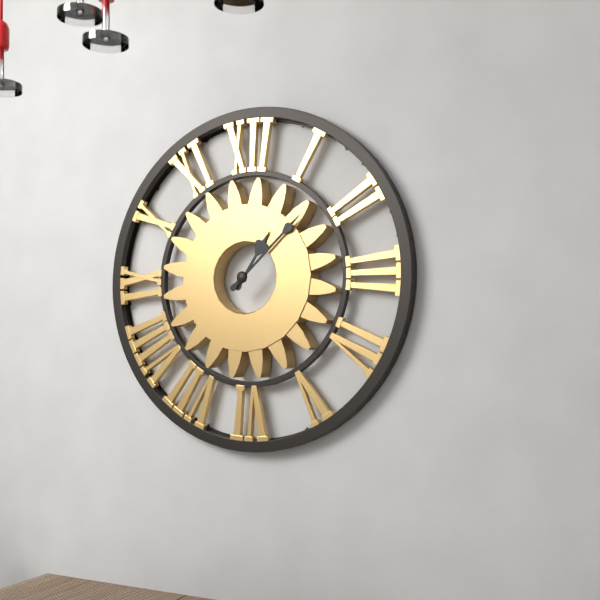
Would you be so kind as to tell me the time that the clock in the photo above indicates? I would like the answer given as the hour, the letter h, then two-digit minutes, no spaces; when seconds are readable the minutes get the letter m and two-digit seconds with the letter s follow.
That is 1h08
